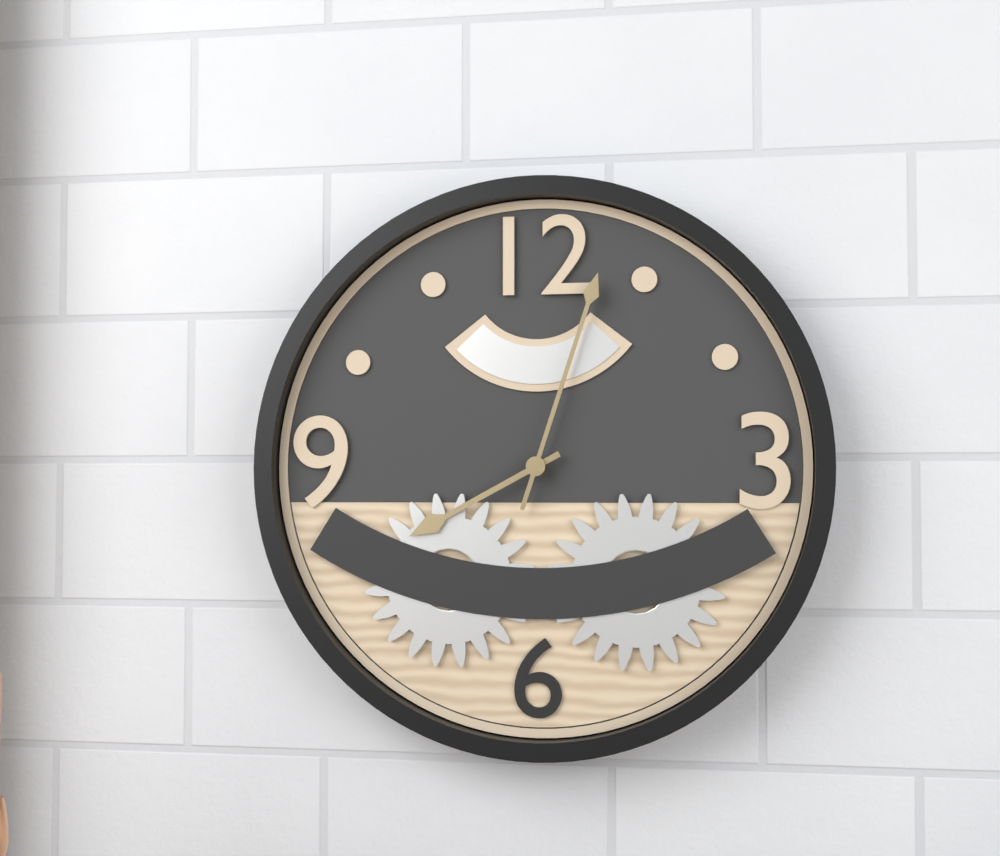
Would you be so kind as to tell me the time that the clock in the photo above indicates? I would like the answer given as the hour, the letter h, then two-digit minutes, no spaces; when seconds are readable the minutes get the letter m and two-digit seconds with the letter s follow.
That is 8h03
